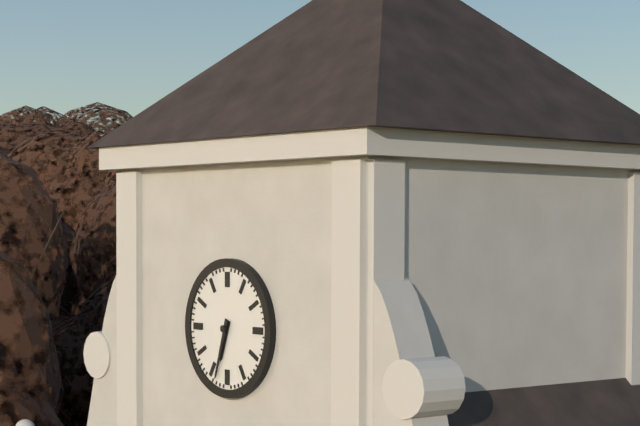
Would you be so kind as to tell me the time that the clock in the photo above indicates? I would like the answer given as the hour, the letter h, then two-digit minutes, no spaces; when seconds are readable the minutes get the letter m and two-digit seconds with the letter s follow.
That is 6h33
